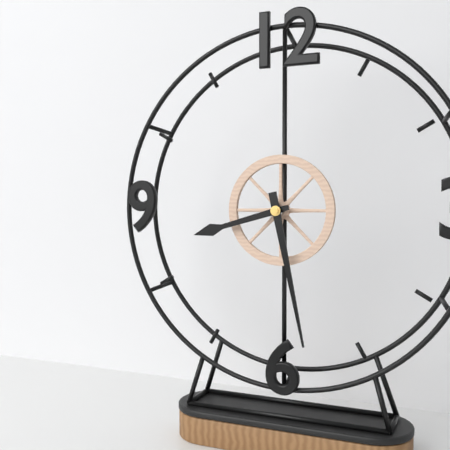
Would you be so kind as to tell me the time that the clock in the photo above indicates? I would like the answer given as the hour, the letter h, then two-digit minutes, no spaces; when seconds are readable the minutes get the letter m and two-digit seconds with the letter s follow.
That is 8h28
